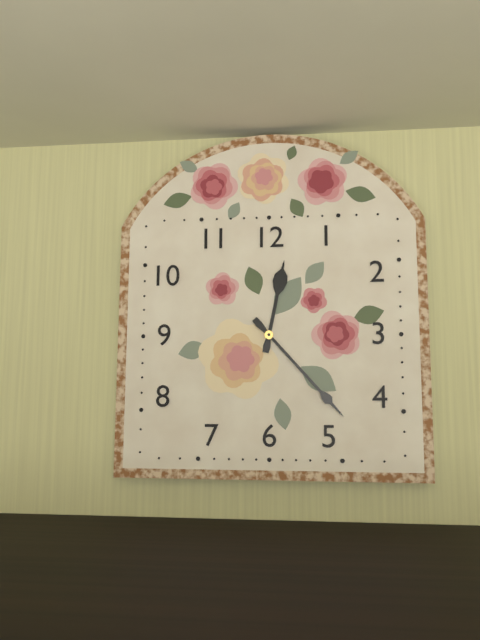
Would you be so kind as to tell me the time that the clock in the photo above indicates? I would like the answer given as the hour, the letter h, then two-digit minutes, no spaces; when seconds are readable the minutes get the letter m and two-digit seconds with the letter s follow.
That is 12h23
